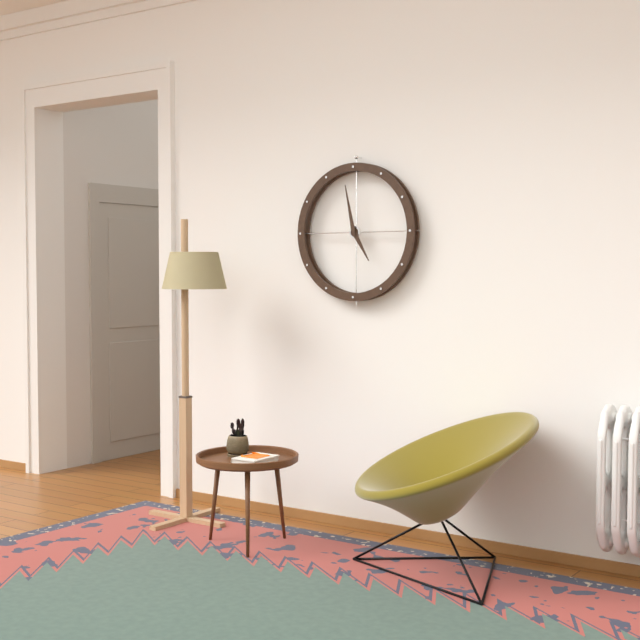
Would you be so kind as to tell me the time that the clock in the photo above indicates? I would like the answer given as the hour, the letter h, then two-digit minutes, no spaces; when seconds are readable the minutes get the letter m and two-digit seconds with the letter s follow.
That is 4h58
